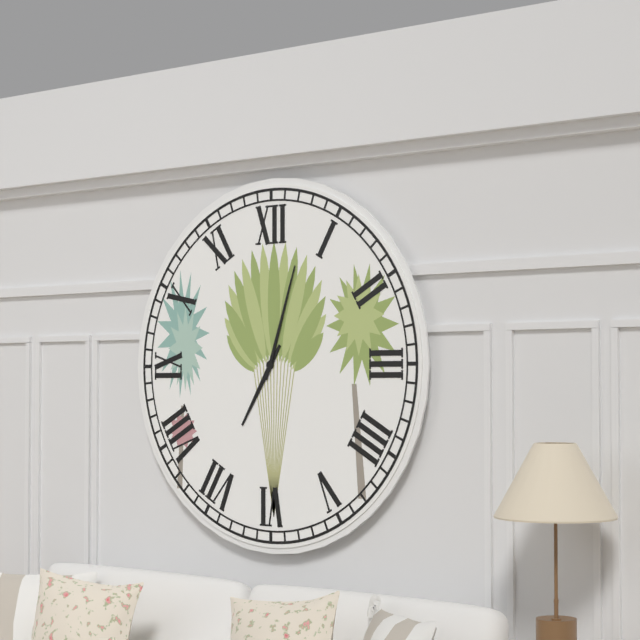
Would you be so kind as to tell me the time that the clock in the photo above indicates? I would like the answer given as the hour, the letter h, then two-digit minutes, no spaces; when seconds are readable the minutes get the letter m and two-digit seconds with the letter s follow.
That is 7h03
